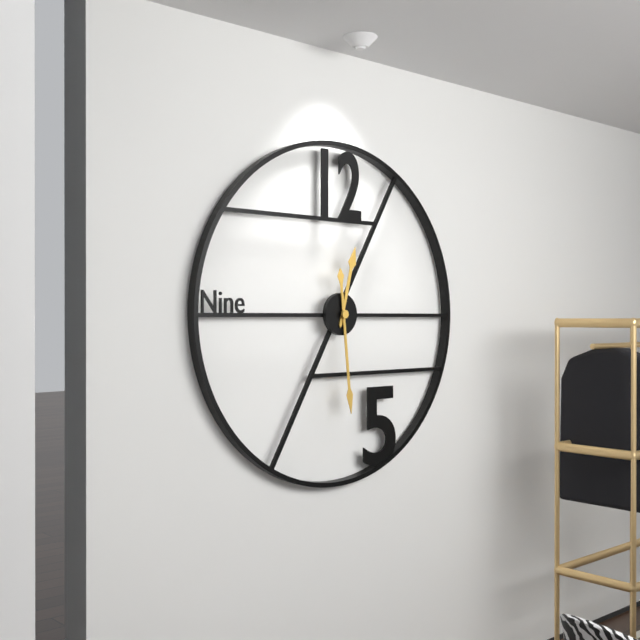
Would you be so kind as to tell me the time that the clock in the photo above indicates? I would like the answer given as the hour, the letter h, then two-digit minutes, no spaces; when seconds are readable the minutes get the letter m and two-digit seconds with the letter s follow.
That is 12h29
